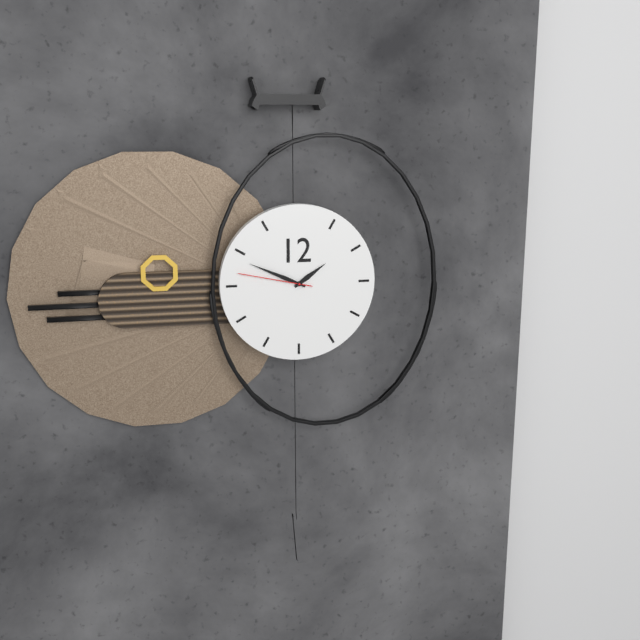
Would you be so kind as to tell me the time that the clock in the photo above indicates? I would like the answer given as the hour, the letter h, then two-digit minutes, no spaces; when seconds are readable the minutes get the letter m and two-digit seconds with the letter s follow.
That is 1h49m47s
